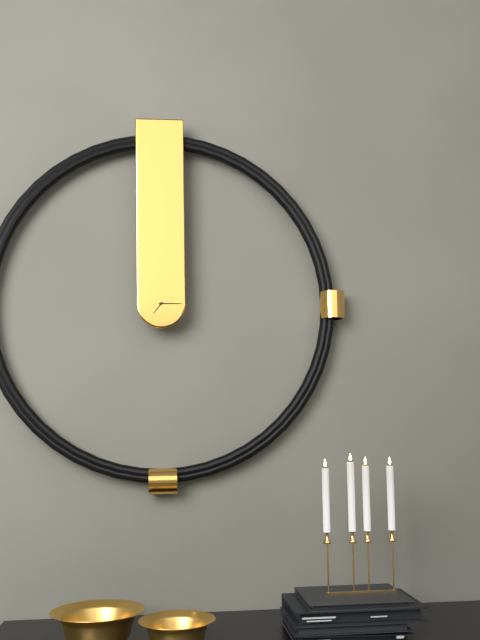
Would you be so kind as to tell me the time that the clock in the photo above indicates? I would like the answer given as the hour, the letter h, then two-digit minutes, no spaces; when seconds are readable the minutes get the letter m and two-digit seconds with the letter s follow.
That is 7h15
